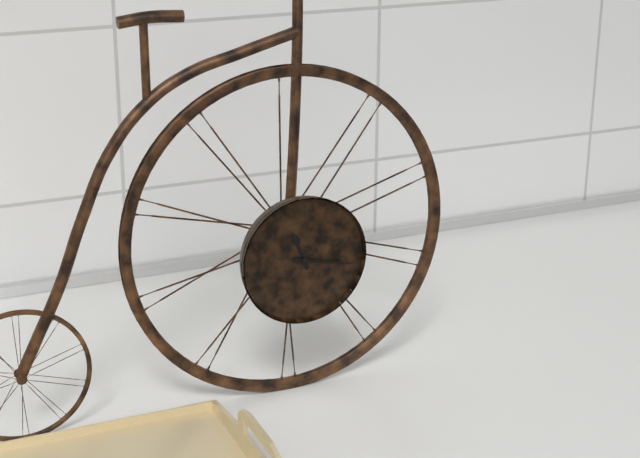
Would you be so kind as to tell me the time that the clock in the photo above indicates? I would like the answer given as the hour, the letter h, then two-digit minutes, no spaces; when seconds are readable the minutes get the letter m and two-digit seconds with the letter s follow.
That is 11h17
